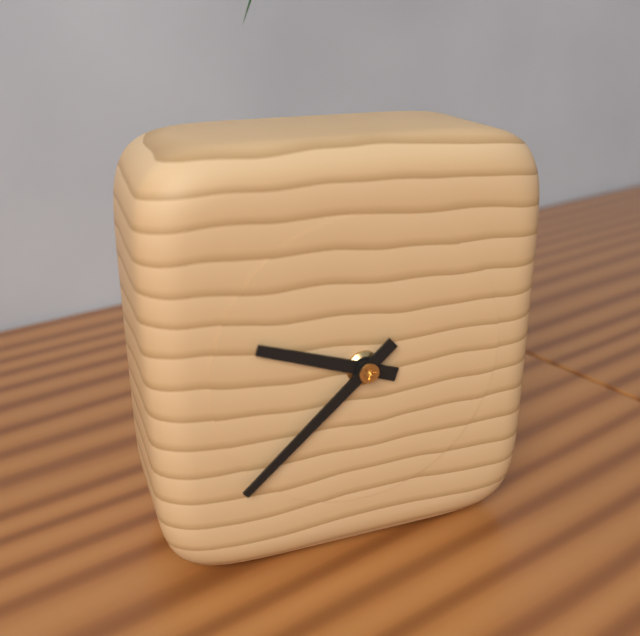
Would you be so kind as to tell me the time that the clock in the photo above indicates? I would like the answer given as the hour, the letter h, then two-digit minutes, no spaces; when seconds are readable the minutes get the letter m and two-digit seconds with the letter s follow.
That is 9h38
